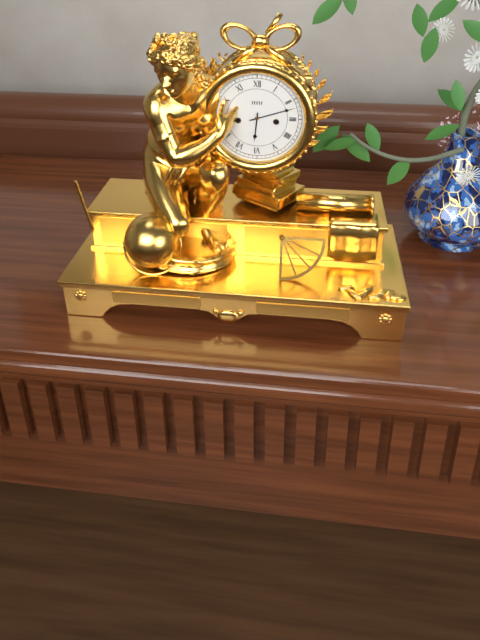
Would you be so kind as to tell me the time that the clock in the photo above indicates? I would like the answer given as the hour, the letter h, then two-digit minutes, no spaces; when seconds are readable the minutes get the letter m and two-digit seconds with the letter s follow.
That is 6h12
